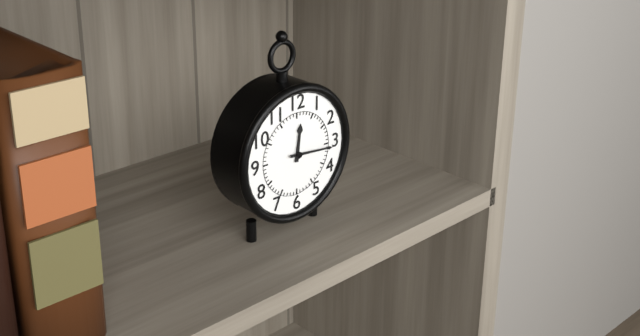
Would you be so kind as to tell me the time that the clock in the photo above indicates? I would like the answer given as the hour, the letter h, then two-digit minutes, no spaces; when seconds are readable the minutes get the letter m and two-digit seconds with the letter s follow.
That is 12h16
